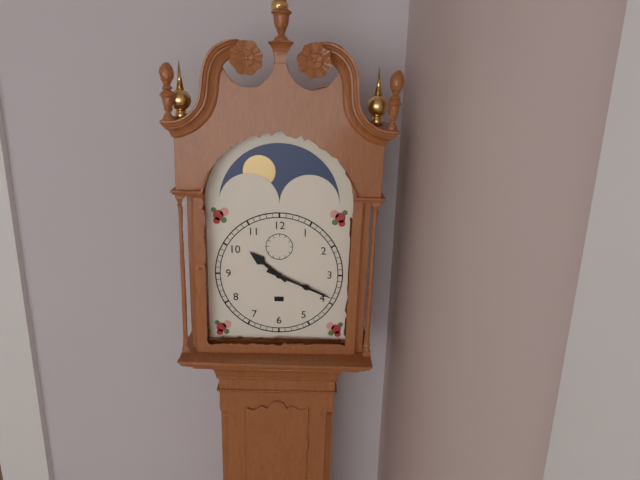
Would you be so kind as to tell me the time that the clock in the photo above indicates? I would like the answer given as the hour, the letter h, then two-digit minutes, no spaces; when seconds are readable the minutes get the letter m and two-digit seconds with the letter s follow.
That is 10h19
